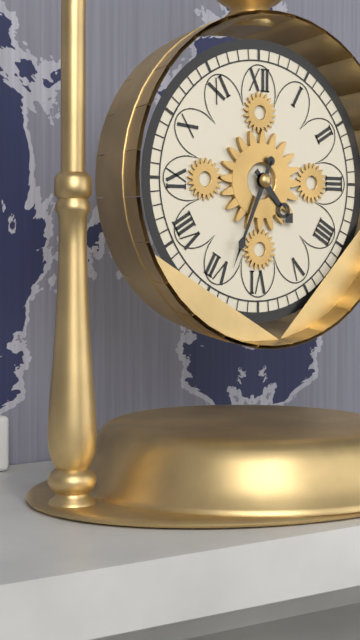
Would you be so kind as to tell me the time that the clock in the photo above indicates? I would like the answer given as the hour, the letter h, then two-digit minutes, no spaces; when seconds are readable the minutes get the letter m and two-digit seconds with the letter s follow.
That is 4h34
